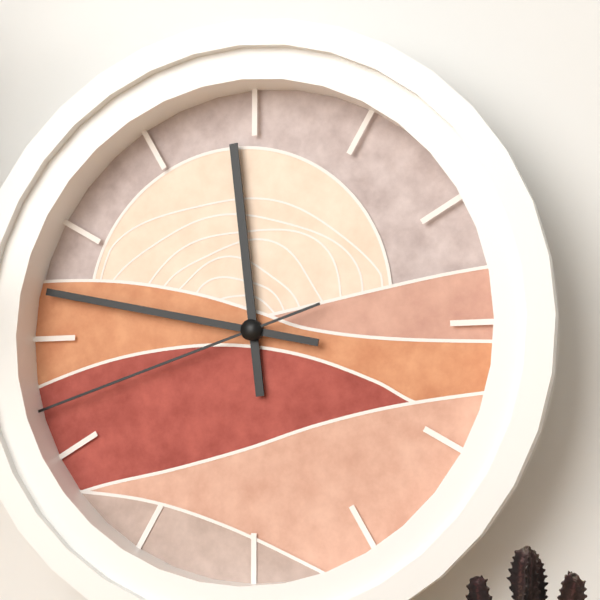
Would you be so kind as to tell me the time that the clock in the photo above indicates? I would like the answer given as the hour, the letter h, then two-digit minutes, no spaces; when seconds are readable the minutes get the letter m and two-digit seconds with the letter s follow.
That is 11h47m42s
